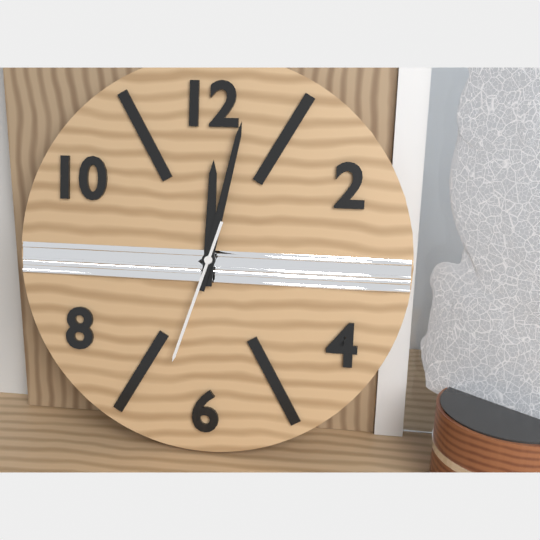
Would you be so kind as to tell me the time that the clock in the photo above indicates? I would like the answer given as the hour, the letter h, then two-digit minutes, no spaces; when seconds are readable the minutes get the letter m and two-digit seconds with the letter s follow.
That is 12h02m33s
